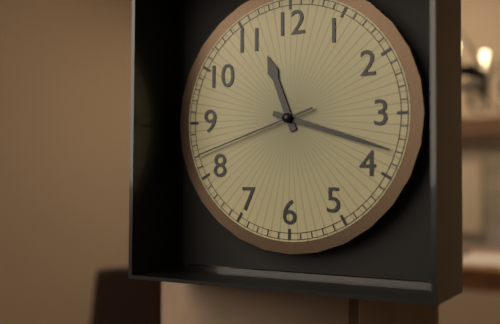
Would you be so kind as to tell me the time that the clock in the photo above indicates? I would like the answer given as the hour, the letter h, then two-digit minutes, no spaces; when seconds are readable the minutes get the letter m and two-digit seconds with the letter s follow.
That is 11h18m42s
